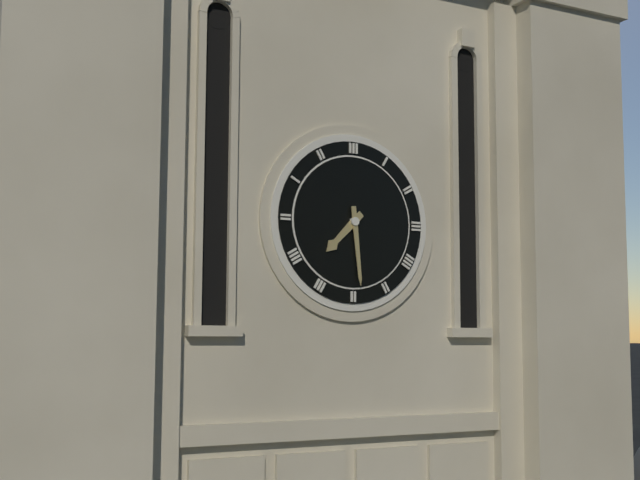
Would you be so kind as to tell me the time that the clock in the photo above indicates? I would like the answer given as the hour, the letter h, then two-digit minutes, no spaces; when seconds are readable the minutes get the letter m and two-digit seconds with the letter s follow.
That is 7h29
